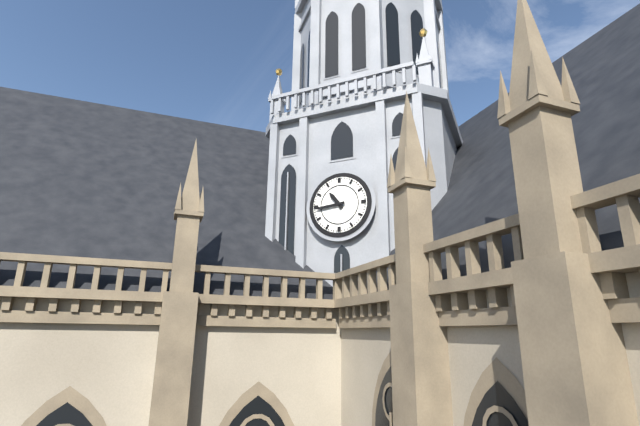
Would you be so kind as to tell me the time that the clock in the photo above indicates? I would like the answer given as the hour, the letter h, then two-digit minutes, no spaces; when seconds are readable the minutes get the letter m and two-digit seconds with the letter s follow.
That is 10h44
